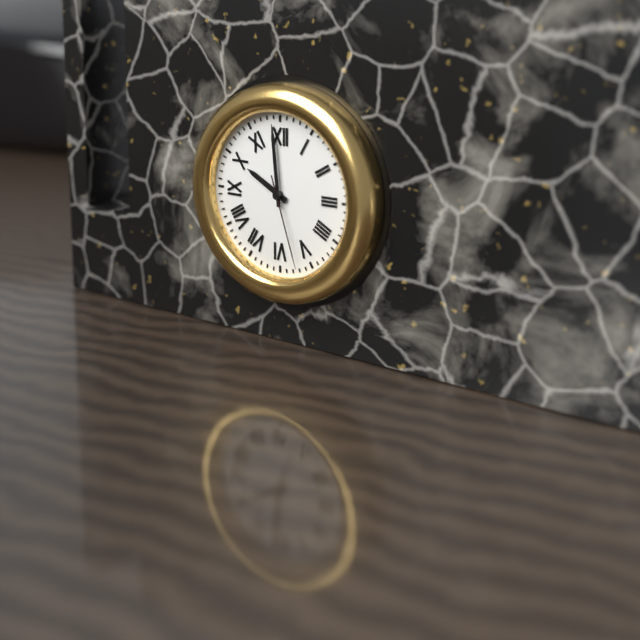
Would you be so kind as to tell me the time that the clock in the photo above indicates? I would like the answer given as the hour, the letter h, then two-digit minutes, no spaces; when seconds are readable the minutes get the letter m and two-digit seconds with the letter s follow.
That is 9h59m27s
